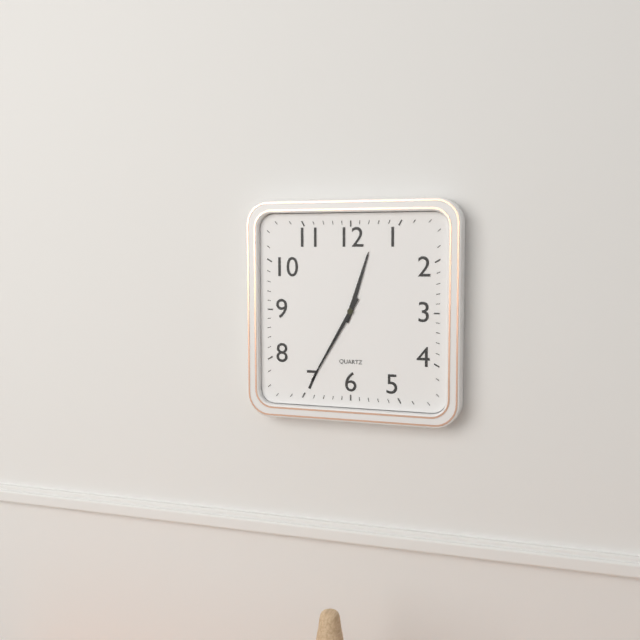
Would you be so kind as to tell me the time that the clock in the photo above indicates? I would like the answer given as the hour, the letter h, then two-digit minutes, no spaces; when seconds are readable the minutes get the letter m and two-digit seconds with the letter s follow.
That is 12h35
